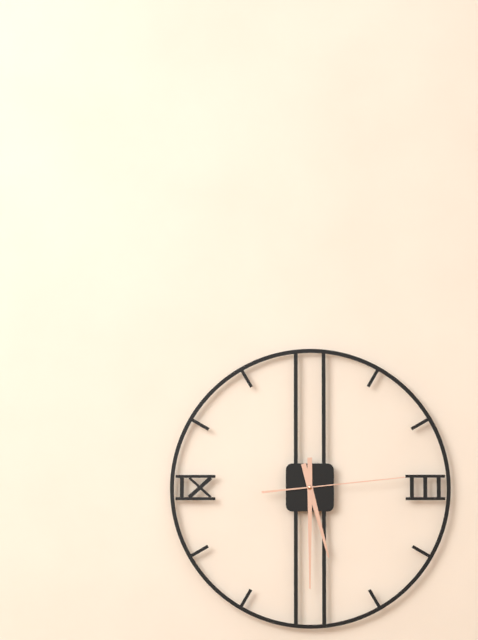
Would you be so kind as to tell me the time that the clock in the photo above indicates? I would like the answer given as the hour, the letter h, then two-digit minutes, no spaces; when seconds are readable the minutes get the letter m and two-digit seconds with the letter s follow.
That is 5h30m14s
